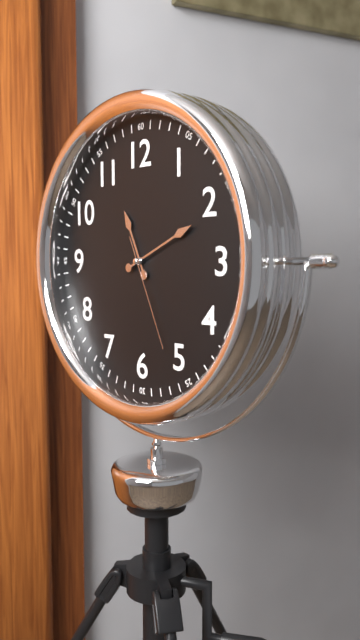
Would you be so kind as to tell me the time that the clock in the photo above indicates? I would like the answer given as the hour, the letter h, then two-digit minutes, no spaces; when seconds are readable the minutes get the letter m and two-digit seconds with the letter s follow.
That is 11h11m26s
